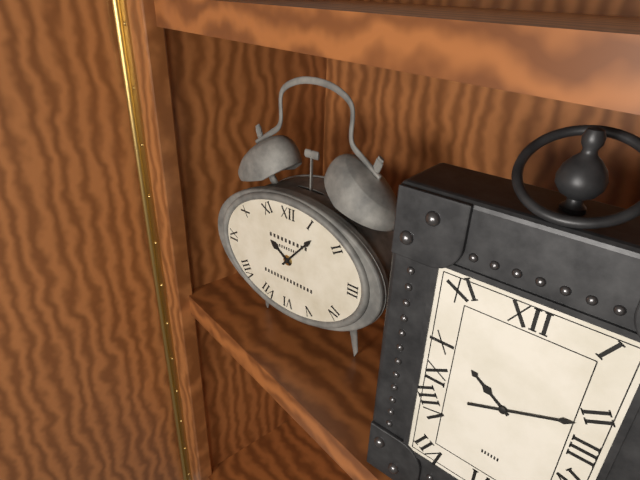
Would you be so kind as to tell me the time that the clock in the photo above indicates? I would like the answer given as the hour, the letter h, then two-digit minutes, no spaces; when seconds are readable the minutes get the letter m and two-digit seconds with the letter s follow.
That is 10h07
